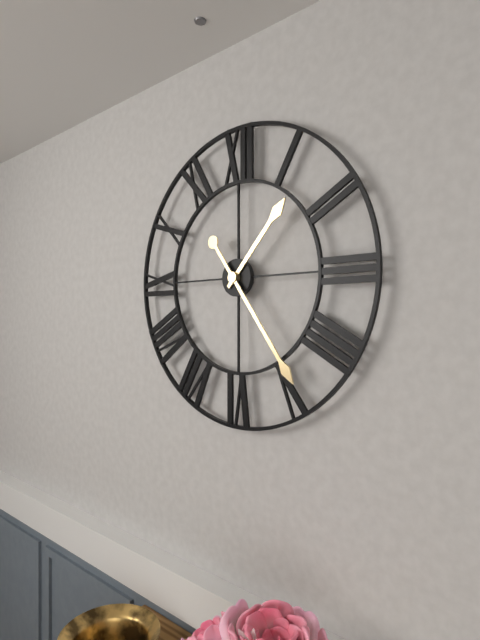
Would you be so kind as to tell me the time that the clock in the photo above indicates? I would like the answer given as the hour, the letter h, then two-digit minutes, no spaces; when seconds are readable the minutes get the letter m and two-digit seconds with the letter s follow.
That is 1h24
